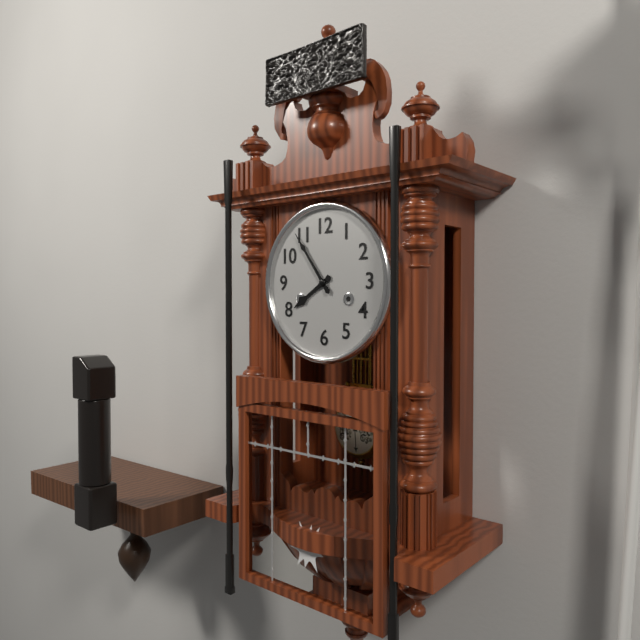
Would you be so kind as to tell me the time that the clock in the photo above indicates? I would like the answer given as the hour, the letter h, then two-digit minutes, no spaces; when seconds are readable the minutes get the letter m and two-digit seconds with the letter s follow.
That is 7h54
